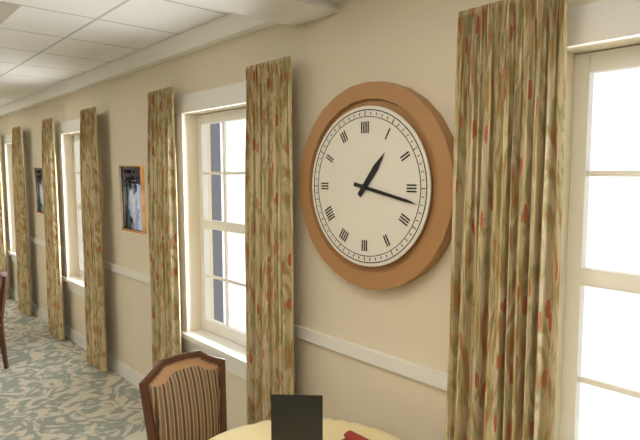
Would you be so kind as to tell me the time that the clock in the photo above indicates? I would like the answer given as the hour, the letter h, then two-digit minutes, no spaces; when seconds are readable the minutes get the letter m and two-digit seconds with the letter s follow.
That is 1h17
